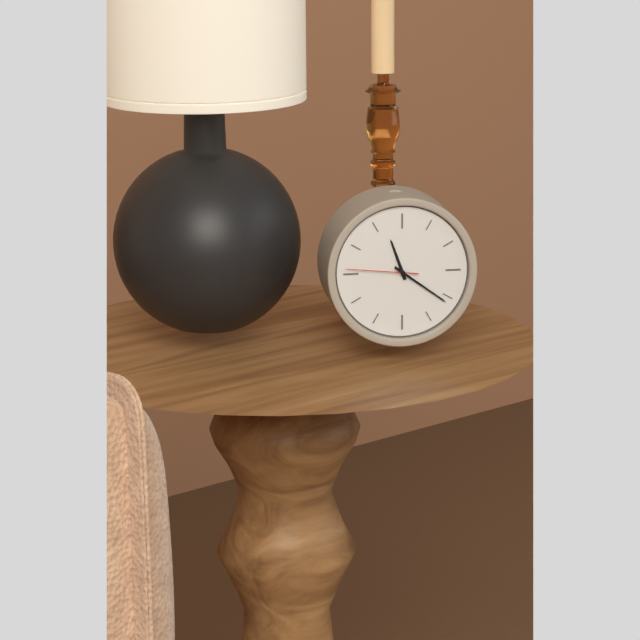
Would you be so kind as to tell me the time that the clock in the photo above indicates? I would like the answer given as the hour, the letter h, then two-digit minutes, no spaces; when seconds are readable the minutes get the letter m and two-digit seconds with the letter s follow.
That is 11h21m46s
